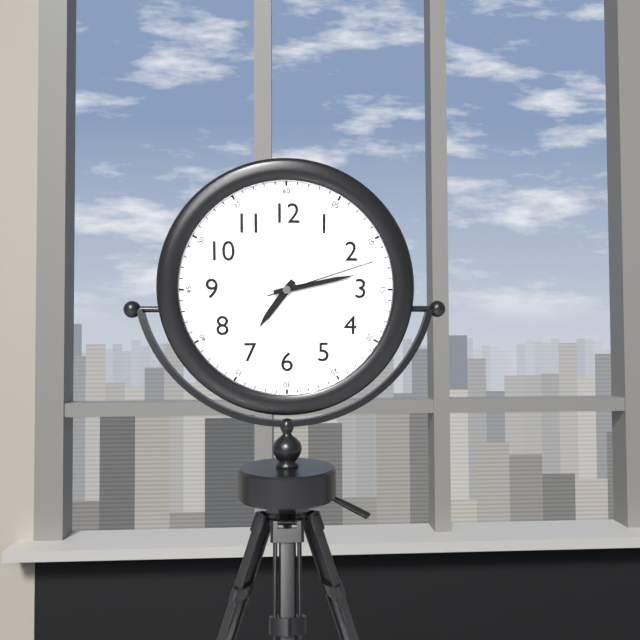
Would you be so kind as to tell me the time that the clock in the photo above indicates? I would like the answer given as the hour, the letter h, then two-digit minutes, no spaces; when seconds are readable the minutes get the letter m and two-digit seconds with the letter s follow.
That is 7h13m12s
